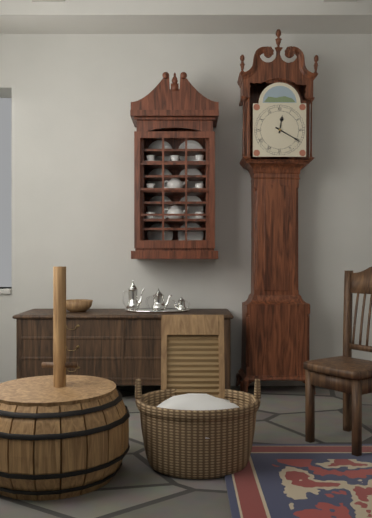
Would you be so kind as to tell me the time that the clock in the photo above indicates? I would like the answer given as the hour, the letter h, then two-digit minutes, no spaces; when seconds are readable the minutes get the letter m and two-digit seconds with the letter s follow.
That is 12h20
